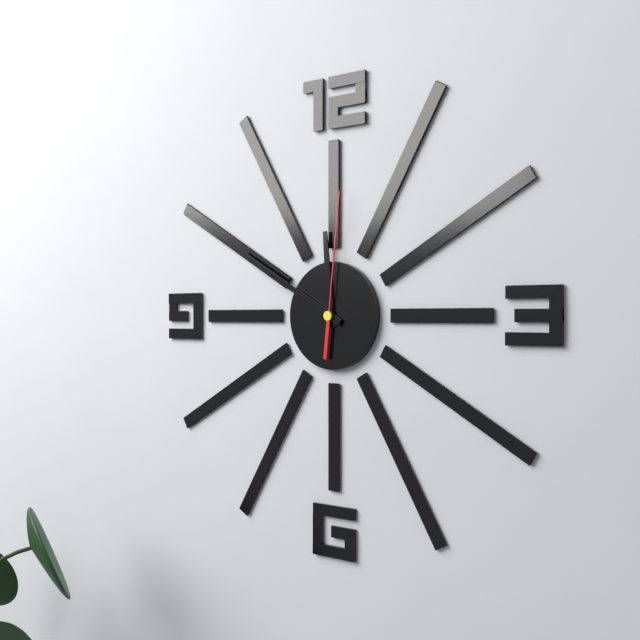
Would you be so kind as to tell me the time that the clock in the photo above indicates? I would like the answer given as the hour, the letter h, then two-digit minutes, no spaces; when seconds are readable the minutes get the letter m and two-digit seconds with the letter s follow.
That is 11h50m01s
